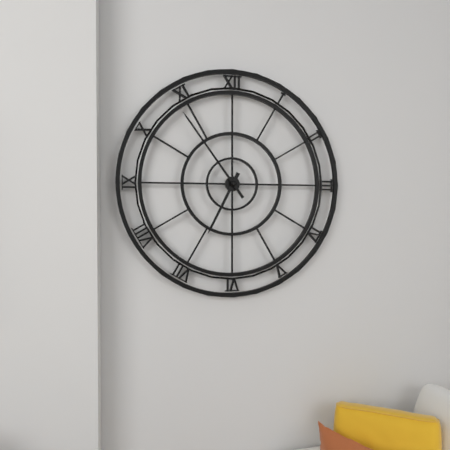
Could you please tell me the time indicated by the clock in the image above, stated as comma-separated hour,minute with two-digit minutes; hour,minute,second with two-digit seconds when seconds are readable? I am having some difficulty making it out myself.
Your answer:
6,54
